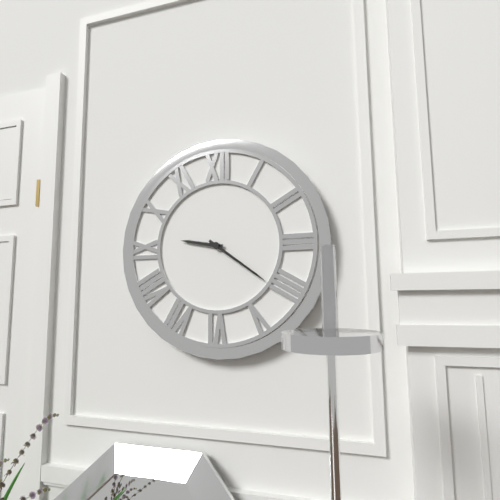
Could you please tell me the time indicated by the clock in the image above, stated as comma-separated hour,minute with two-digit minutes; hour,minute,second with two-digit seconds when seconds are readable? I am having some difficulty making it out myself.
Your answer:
9,21
